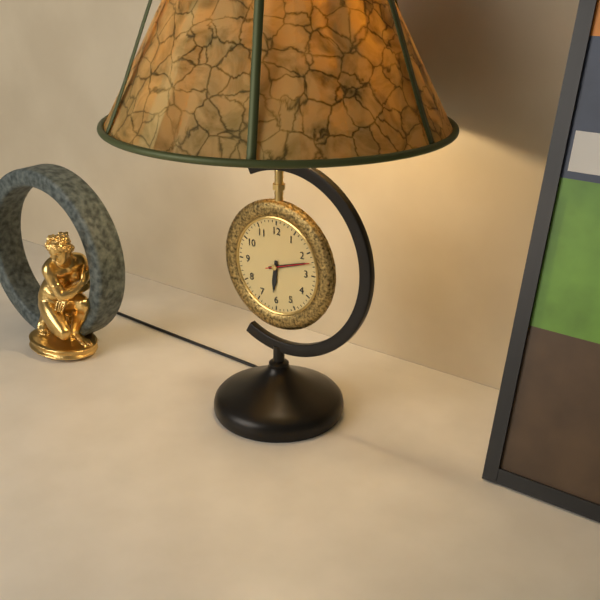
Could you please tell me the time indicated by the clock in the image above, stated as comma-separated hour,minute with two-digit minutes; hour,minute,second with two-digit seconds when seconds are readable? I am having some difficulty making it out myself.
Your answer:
6,12
